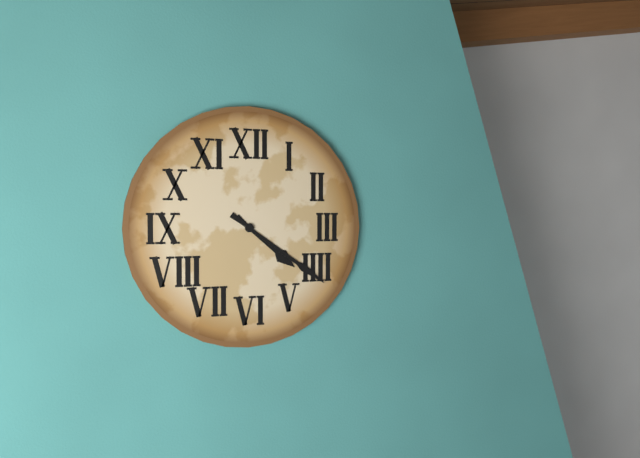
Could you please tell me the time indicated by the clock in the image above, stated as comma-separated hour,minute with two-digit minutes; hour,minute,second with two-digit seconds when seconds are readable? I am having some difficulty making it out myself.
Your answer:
4,21
